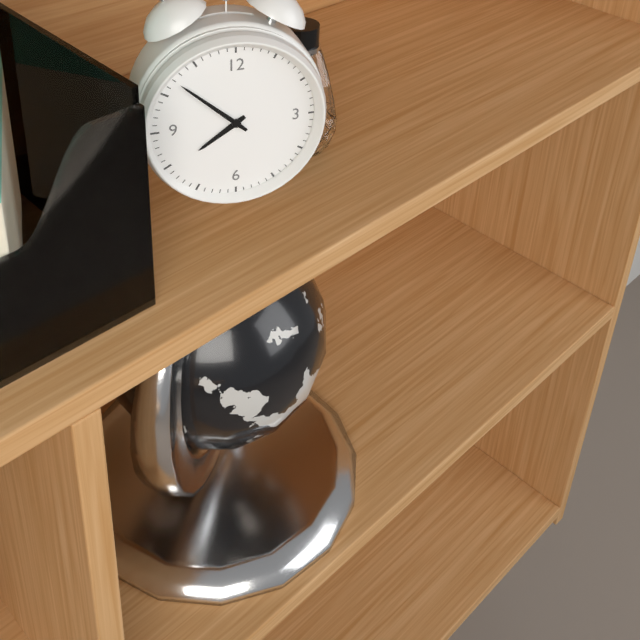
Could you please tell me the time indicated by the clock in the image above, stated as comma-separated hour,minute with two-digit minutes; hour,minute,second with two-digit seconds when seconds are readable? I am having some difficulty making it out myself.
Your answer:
7,52
